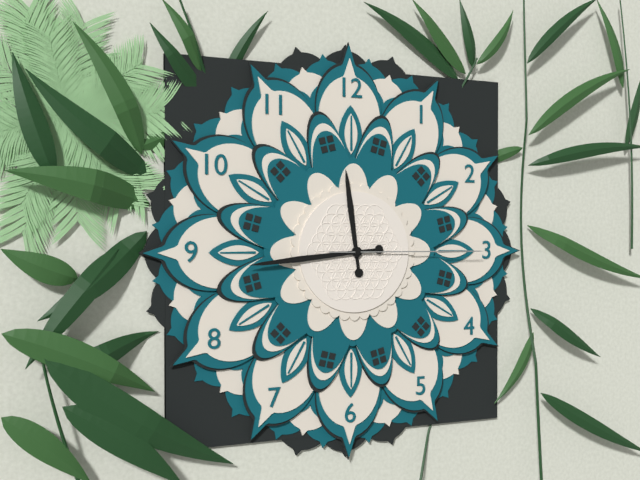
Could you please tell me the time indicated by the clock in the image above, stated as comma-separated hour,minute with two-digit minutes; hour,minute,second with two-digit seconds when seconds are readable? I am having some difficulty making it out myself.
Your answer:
11,44,15
